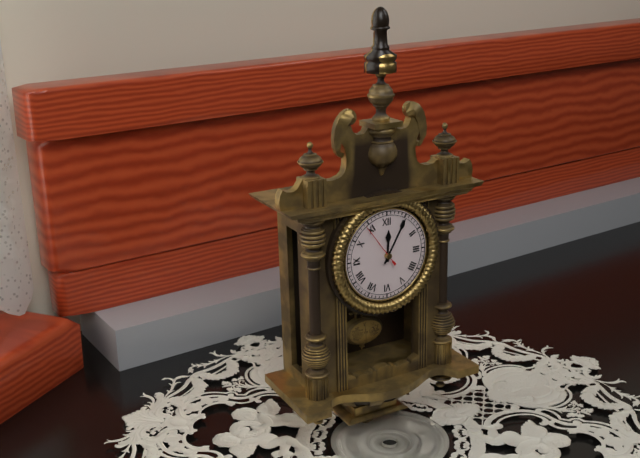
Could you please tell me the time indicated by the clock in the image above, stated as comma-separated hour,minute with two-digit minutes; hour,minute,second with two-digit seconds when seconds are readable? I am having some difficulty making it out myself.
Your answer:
12,05
